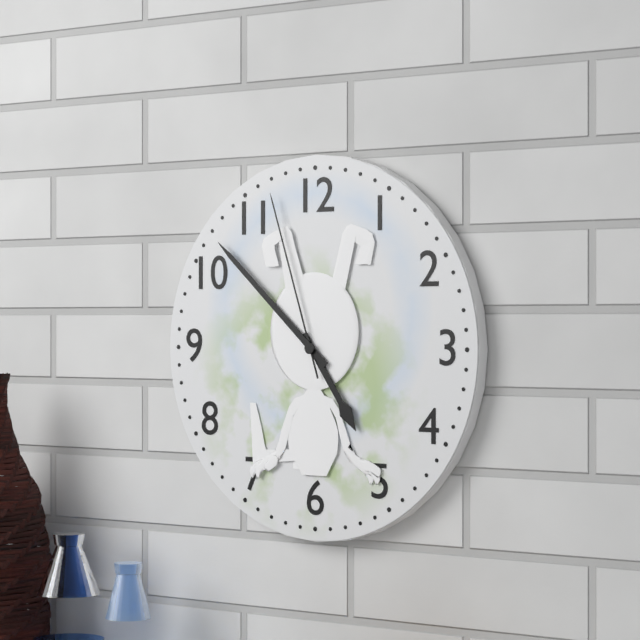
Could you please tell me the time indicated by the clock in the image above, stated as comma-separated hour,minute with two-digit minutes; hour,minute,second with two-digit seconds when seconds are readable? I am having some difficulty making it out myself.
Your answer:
4,52,57
